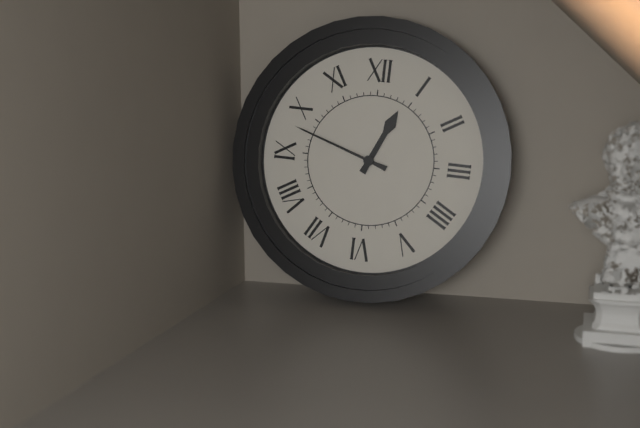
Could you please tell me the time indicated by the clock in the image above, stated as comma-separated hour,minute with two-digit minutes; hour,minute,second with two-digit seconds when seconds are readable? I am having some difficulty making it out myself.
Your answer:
12,48
